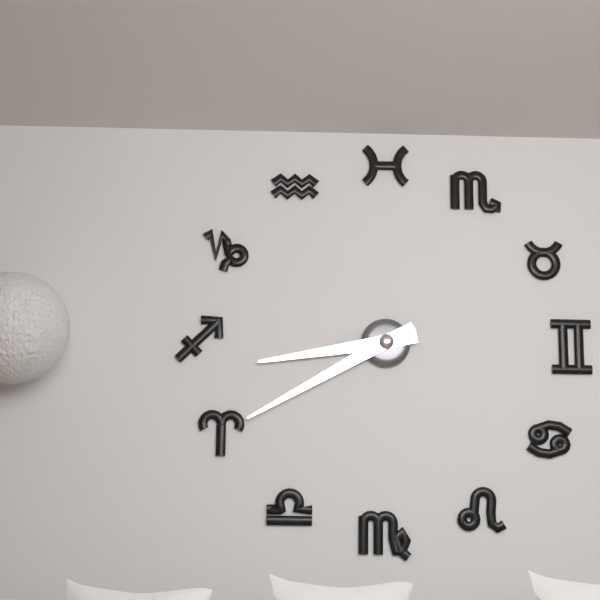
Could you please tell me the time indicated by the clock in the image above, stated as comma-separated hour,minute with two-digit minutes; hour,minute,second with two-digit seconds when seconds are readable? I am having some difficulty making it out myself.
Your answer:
8,40
